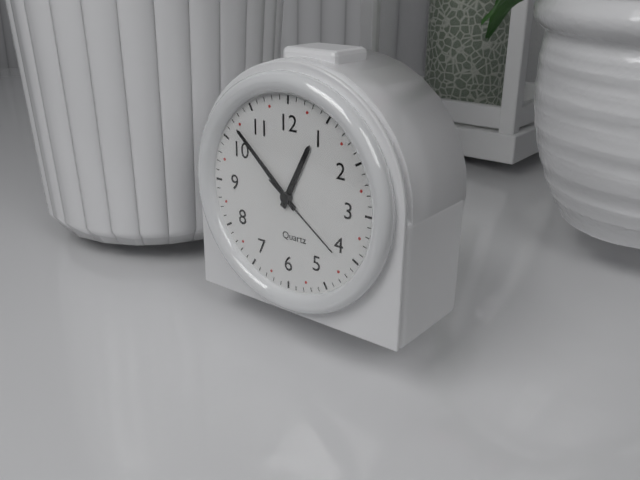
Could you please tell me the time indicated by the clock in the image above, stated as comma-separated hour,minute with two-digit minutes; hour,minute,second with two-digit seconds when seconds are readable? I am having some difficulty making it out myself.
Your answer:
12,52,21
